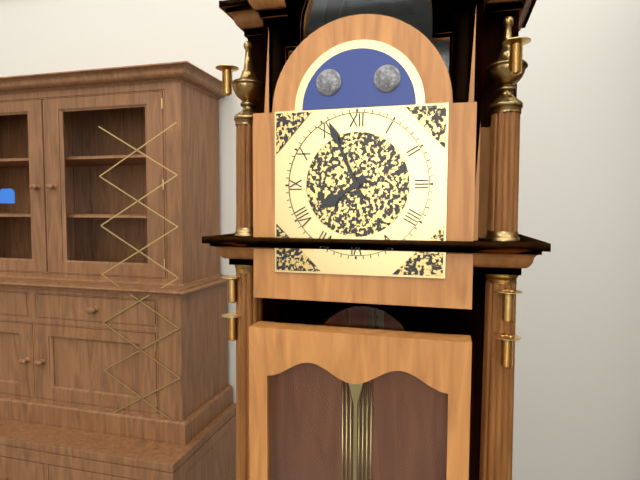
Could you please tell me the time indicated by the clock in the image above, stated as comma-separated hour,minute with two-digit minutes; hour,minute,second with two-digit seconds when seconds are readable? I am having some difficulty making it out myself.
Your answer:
7,56
